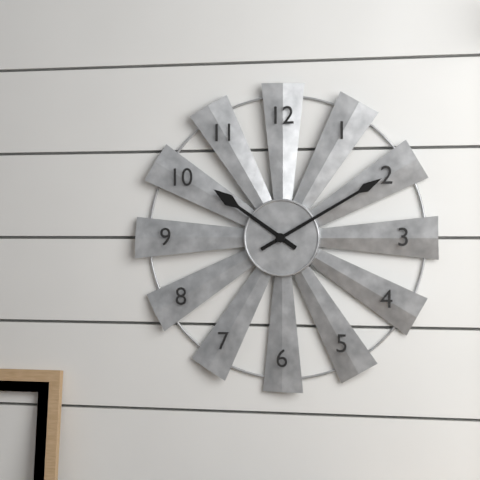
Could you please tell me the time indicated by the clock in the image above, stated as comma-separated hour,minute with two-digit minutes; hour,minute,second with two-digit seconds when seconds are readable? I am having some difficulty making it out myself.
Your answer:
10,10
